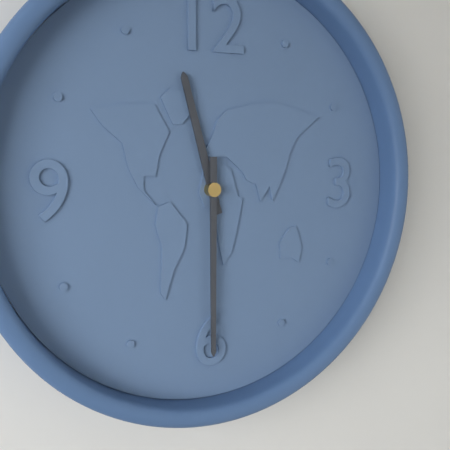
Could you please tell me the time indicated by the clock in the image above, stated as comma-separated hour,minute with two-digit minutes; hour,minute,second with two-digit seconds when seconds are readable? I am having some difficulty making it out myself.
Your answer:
11,30
